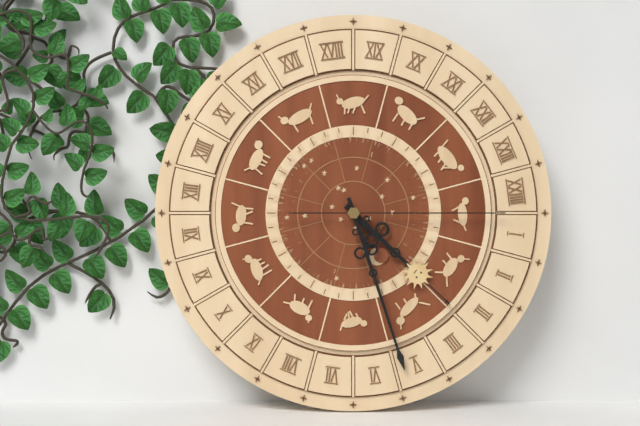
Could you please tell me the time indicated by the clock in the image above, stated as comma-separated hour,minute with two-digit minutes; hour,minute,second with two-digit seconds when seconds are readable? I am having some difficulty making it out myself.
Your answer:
4,27,15
